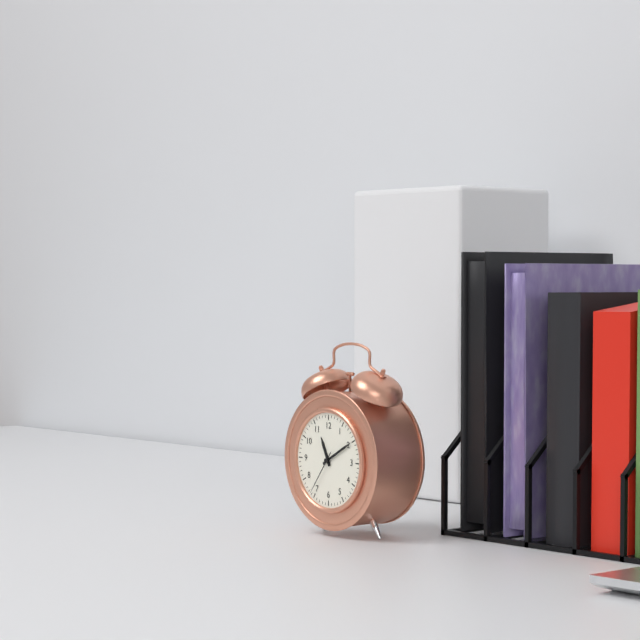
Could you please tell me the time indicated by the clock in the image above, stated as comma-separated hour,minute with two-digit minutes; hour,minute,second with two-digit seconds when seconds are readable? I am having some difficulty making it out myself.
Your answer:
11,10
